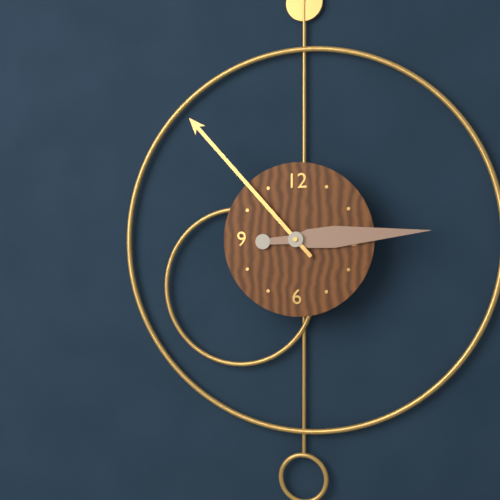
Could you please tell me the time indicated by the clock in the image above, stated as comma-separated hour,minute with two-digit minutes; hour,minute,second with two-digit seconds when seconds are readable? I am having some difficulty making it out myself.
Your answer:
2,53
